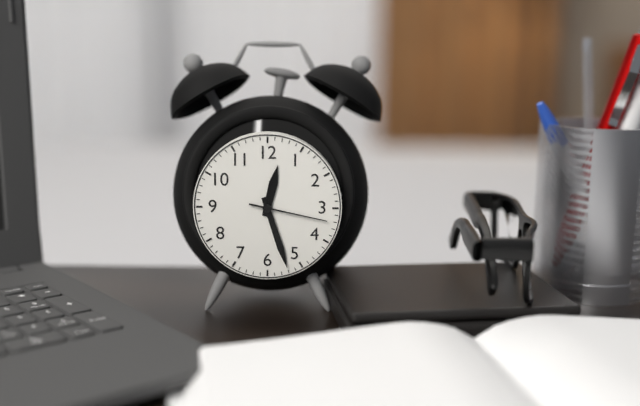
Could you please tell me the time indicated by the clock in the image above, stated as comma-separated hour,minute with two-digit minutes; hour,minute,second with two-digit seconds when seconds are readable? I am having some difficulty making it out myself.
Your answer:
12,27,17
